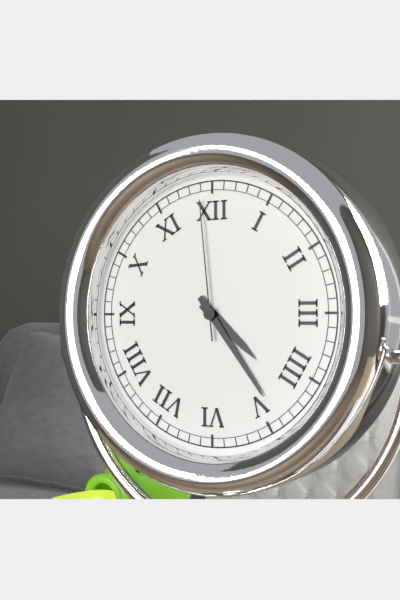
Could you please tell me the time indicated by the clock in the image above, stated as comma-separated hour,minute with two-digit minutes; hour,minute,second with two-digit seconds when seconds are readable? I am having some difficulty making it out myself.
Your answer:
4,24,59
